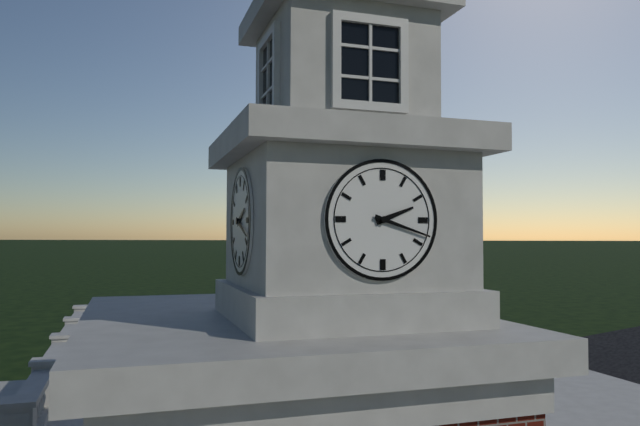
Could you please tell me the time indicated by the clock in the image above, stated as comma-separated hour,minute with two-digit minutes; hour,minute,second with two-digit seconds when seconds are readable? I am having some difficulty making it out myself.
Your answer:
2,18
